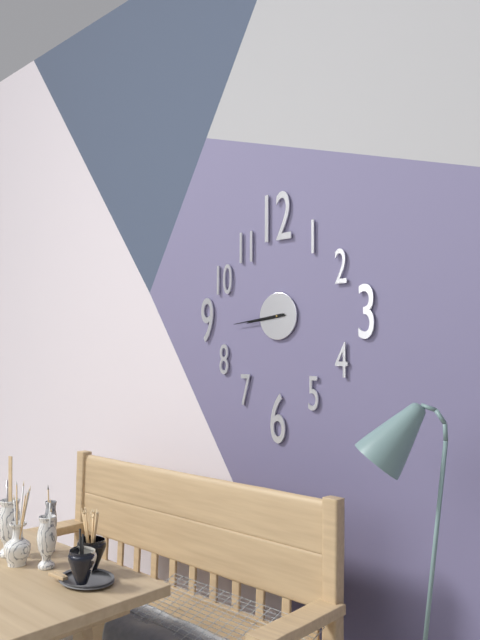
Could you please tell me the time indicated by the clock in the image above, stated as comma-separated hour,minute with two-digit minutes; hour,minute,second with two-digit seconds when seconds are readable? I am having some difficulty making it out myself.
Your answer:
8,44
